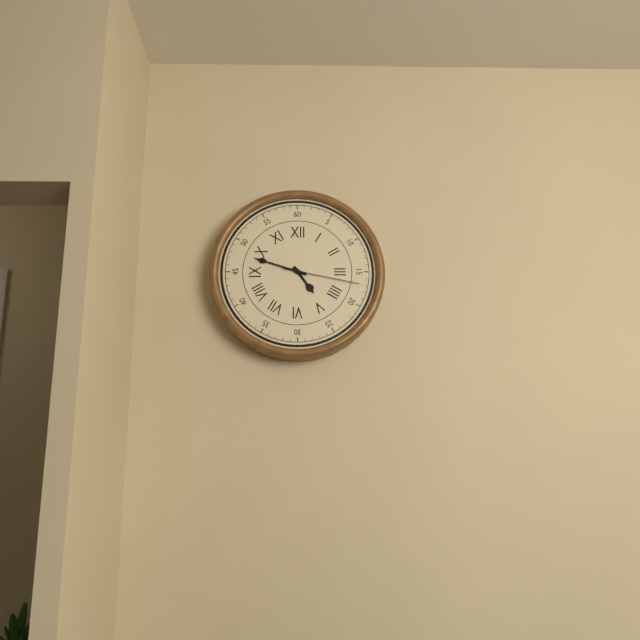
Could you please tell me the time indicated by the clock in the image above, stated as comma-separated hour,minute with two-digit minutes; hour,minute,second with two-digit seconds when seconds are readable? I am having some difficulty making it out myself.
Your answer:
4,48,17
